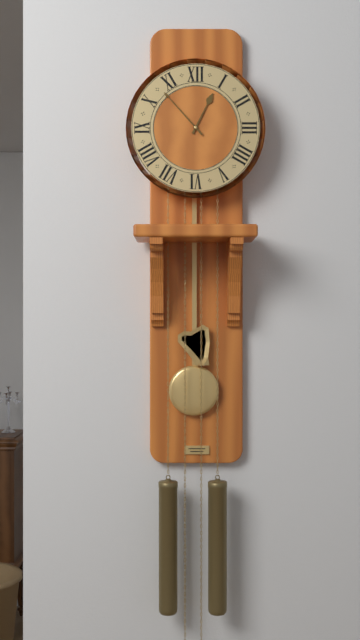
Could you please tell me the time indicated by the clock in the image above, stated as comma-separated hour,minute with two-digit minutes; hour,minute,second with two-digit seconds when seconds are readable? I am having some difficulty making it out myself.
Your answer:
12,53
